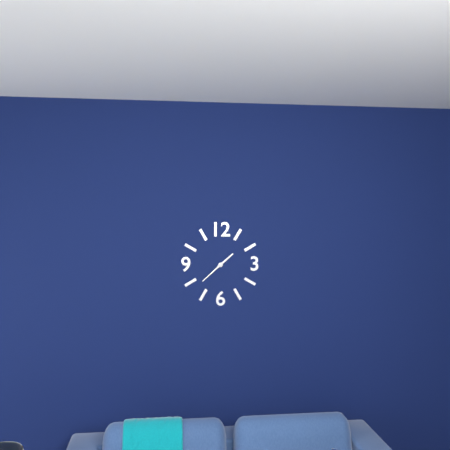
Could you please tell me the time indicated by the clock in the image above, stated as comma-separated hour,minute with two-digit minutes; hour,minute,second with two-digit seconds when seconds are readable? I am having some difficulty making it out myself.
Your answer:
1,38
